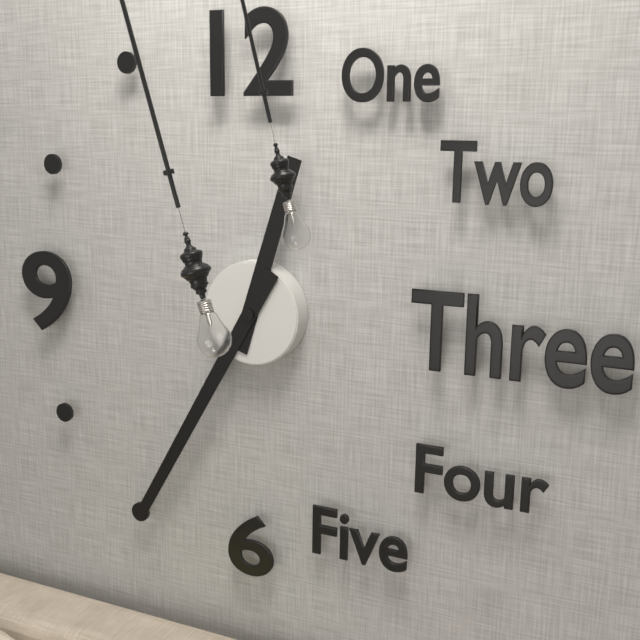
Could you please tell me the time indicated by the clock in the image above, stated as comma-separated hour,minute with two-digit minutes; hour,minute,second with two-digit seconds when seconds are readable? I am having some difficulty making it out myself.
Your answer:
12,35
